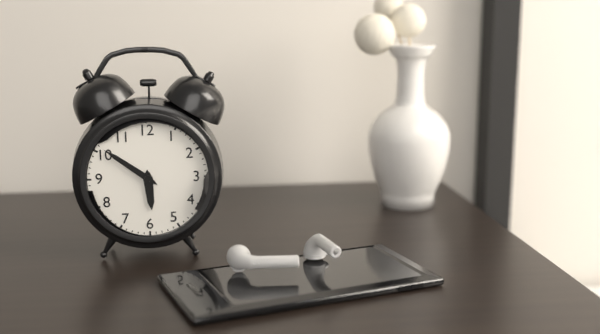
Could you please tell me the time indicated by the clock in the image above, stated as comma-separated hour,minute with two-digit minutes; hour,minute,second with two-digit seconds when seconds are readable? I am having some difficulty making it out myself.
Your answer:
5,51
